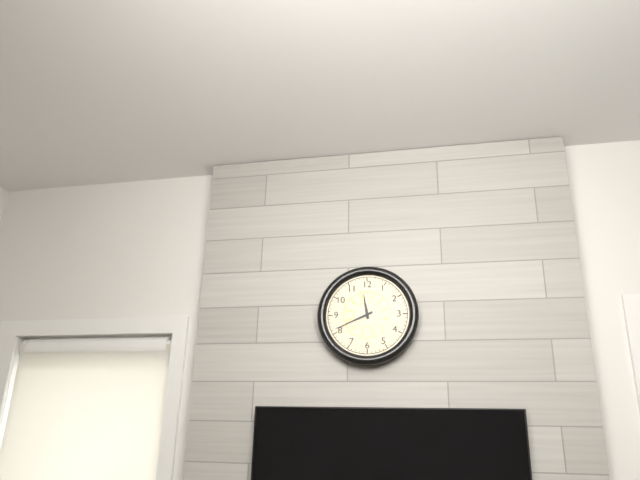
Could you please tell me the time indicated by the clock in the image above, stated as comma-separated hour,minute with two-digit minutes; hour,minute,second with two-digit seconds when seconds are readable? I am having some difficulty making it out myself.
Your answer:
11,41
